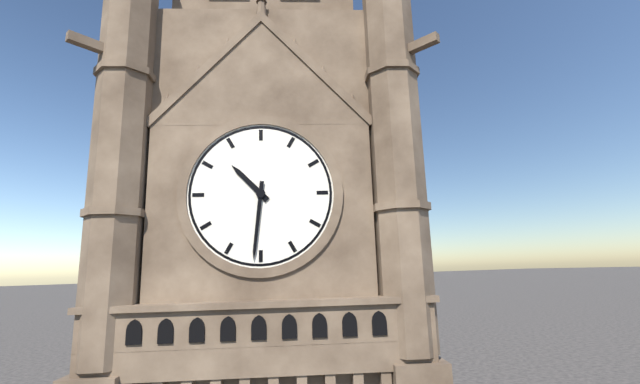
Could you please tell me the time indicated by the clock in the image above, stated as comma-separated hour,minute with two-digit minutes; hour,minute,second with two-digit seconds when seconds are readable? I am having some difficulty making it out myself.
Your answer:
10,31
